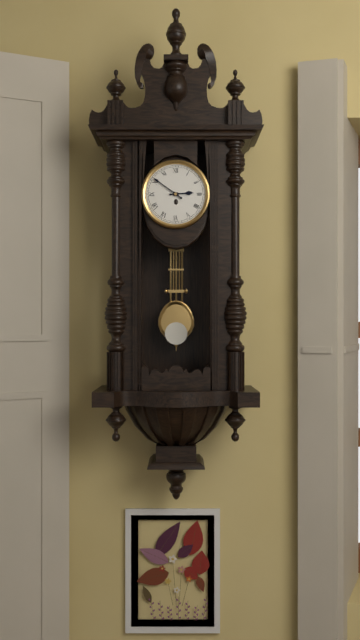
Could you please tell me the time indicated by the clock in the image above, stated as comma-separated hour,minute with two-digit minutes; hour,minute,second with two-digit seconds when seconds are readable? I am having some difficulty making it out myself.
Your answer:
2,51
